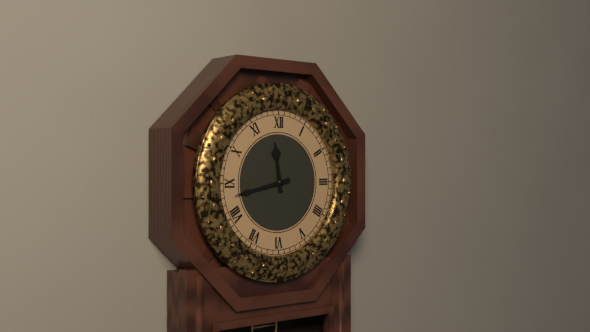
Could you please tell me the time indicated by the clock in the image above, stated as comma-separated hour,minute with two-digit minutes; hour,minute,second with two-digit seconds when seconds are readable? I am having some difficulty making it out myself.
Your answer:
11,43
